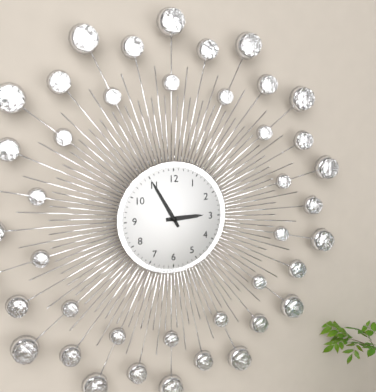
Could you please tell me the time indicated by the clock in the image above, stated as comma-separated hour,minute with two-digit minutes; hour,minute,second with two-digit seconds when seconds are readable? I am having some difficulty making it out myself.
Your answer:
2,55
